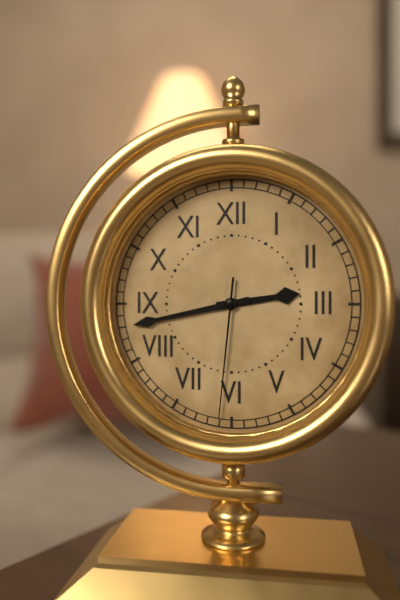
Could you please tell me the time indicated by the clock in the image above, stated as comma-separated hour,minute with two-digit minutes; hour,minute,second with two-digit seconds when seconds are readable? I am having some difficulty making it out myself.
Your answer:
2,43,31
